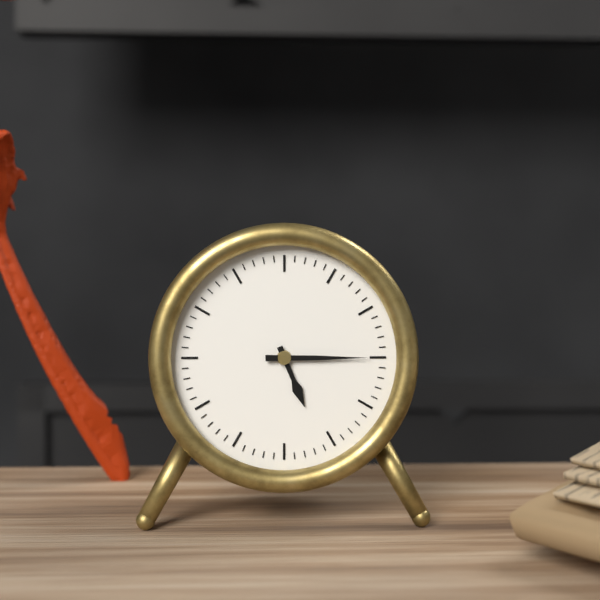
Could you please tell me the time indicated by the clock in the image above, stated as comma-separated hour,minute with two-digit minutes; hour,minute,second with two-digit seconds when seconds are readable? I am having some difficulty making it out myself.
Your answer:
5,15
